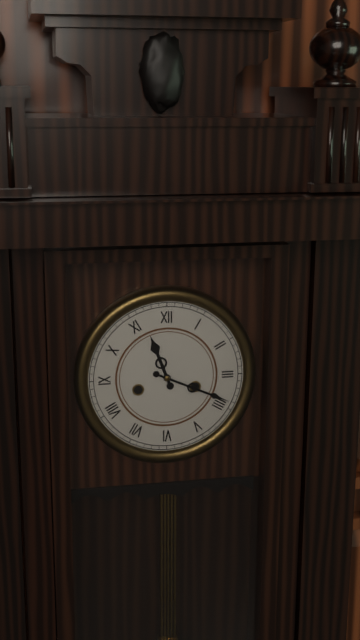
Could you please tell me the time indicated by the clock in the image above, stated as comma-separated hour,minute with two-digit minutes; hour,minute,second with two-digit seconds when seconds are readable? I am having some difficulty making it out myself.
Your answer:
11,19
